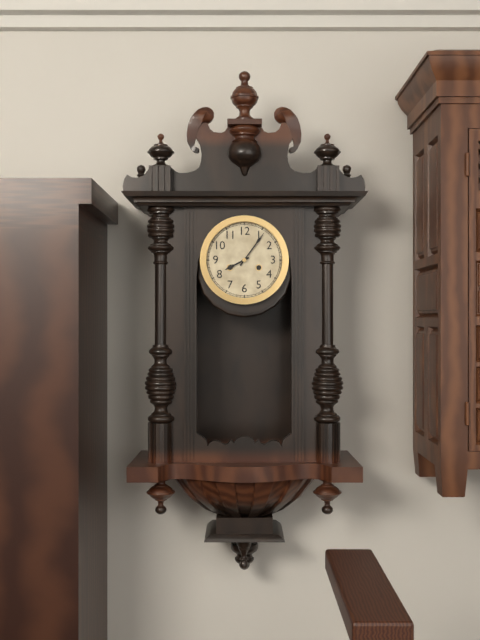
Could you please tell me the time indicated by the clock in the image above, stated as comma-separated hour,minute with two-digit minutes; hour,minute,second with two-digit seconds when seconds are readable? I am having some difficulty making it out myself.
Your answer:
8,06
